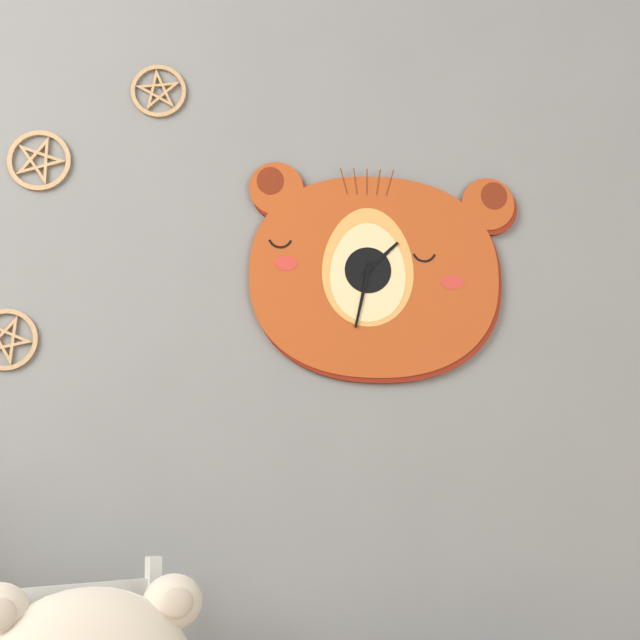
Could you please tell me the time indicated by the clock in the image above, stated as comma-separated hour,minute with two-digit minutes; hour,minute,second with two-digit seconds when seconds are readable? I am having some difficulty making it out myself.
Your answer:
1,32
